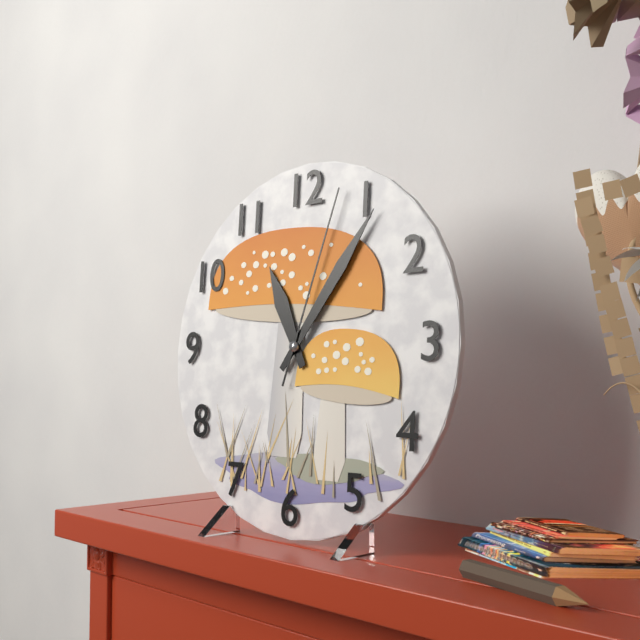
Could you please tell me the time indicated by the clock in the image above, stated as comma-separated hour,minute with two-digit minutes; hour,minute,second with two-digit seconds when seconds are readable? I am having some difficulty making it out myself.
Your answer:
11,06,03
